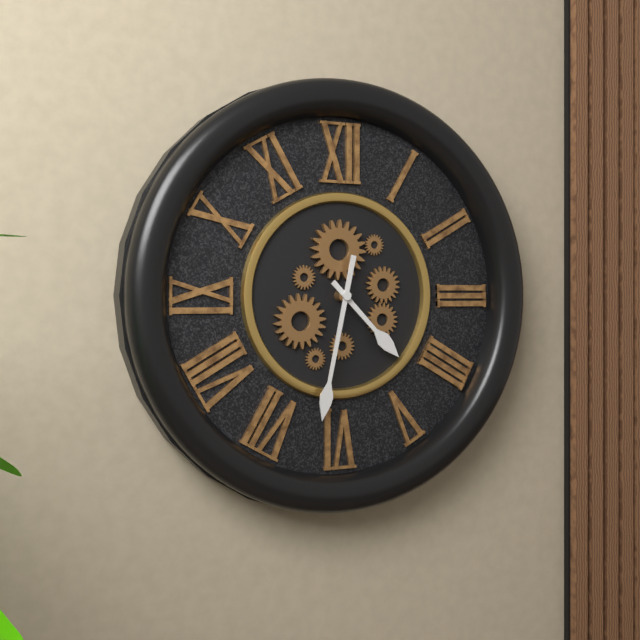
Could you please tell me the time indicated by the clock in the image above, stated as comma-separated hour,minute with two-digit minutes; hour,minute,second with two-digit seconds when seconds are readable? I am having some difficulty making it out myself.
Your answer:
4,32
